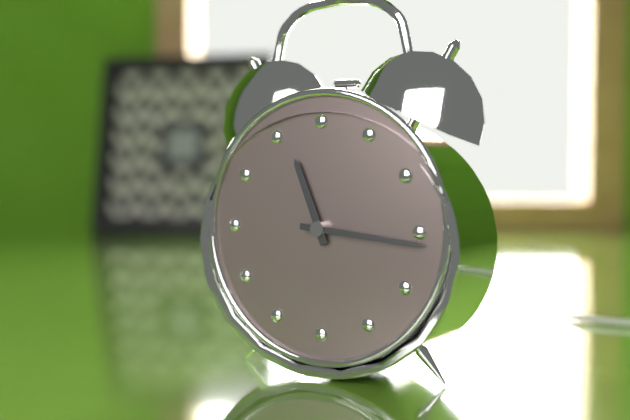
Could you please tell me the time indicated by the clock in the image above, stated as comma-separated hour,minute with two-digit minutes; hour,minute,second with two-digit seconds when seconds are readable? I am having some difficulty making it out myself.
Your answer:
11,16
